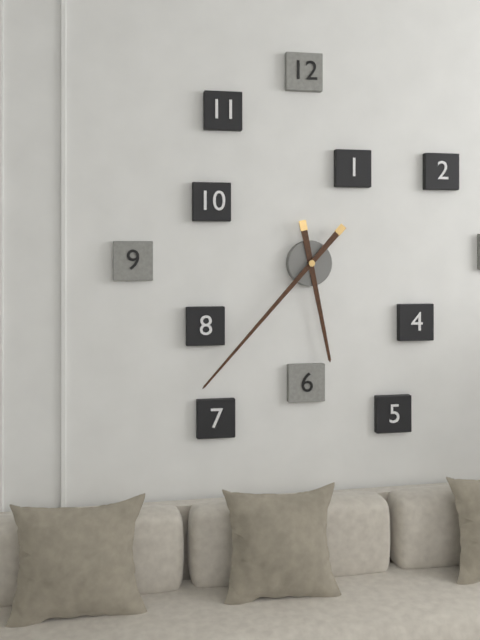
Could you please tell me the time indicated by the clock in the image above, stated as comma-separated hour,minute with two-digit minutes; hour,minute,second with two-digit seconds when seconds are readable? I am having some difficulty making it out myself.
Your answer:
5,37
